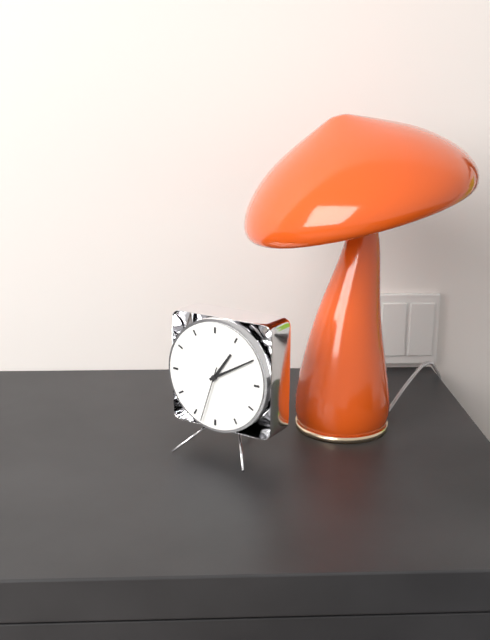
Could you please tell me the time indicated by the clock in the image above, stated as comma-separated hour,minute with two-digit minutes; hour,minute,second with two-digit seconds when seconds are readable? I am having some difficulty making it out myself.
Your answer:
1,10,33
